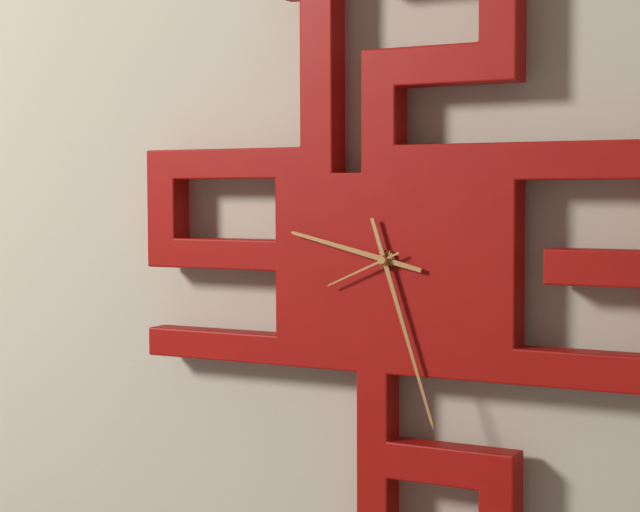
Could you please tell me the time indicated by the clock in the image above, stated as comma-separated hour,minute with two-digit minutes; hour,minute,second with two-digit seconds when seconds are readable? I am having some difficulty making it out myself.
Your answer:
9,27,41
